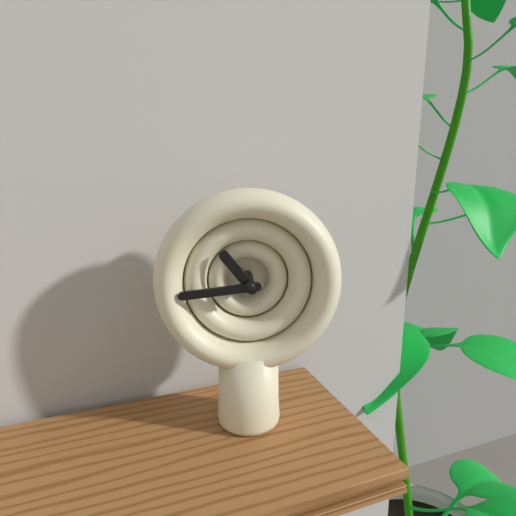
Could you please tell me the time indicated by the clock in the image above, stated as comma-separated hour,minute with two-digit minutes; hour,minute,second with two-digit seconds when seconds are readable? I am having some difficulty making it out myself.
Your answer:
10,44
